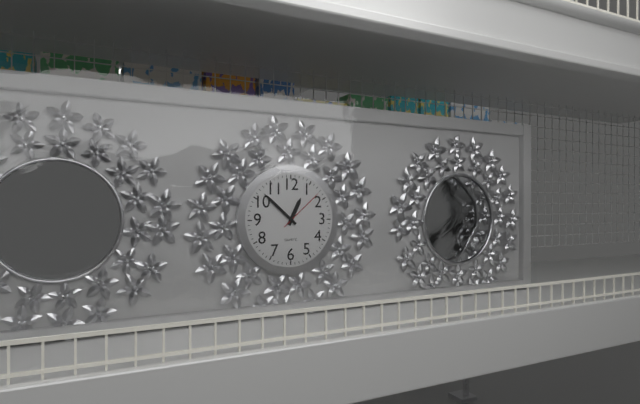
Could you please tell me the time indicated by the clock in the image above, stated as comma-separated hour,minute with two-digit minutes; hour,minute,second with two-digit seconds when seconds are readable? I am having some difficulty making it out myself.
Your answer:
12,52
